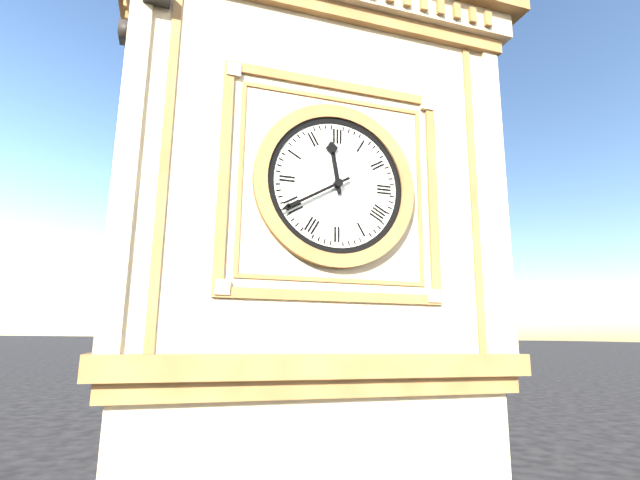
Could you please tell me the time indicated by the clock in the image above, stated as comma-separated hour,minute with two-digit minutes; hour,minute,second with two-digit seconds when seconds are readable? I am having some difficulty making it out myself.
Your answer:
11,40
